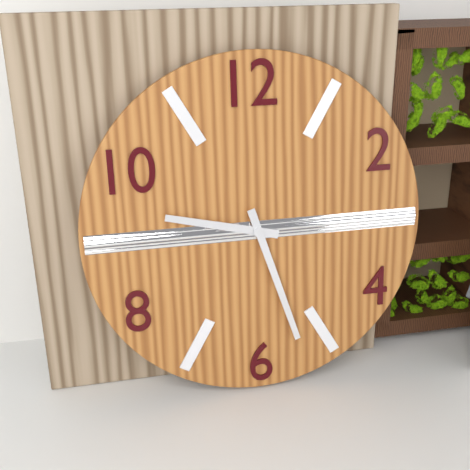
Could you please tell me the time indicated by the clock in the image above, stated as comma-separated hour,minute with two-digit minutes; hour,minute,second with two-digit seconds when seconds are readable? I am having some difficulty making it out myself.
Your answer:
9,27
